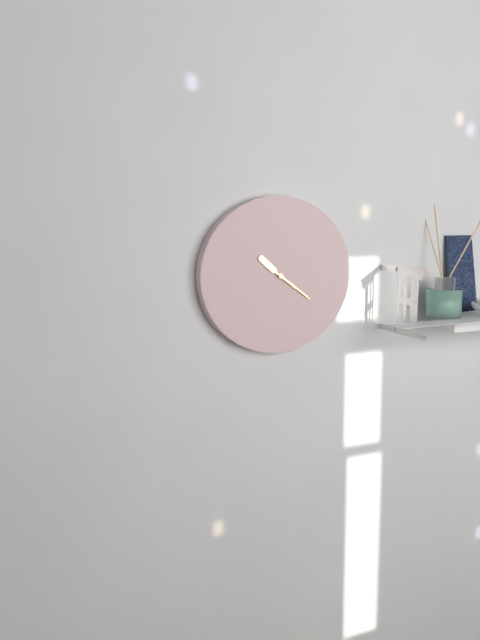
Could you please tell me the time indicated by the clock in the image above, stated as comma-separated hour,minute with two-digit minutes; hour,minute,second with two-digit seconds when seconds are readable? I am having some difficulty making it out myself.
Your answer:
10,21
